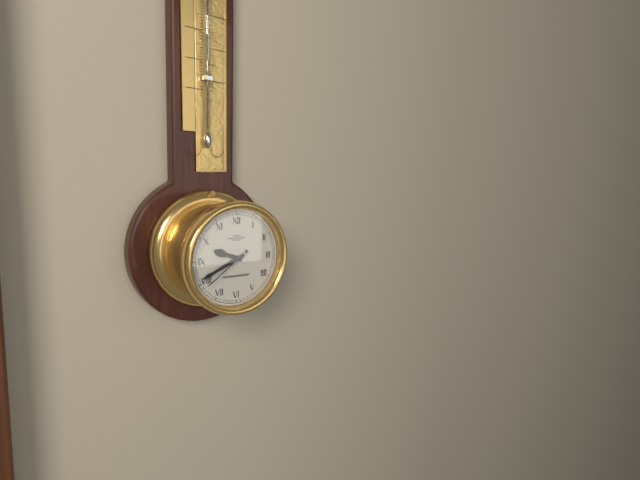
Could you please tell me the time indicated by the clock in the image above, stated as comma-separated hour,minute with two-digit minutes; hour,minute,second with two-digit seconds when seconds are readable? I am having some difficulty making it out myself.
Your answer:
9,41,39
